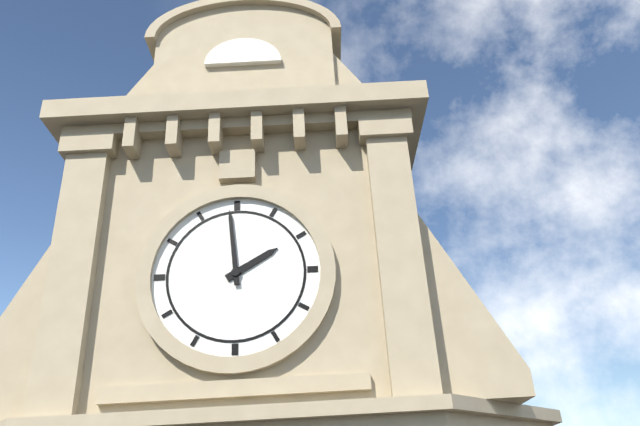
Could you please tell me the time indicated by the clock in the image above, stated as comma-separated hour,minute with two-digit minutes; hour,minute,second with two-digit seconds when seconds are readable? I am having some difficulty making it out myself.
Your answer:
1,59
